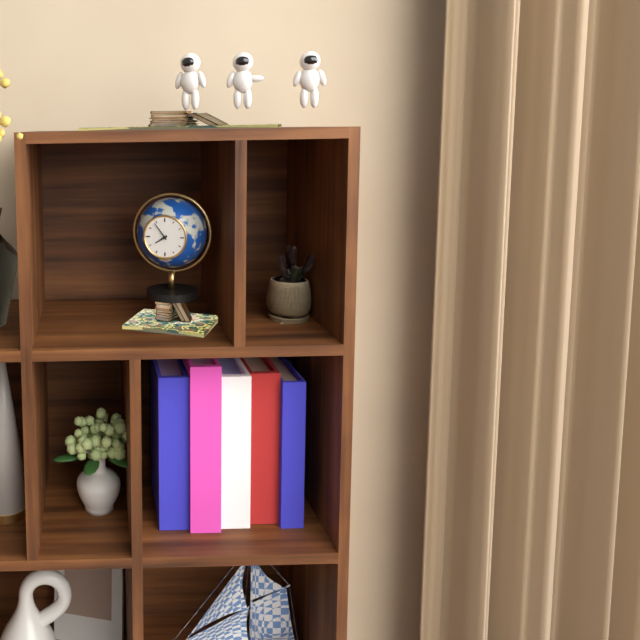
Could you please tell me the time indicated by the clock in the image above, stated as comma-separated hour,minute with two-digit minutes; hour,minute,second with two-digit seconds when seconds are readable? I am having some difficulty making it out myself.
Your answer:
7,54
